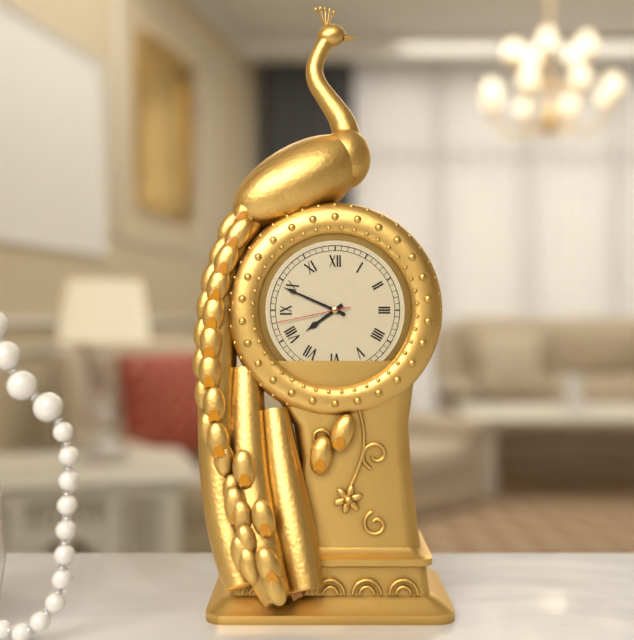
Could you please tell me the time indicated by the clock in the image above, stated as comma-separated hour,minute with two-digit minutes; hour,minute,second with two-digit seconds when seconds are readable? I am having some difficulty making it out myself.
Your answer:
7,49,43
